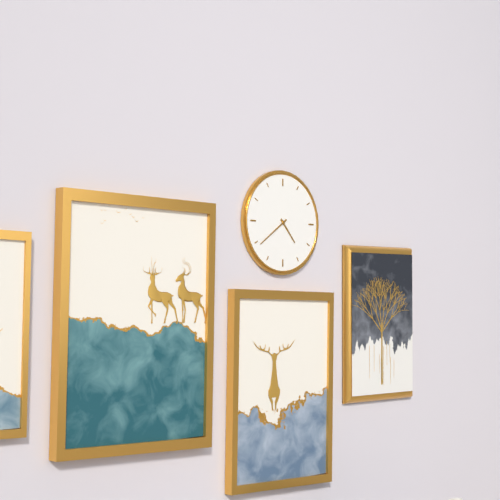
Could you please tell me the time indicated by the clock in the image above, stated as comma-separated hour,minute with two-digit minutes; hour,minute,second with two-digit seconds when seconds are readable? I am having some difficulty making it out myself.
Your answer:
4,39
